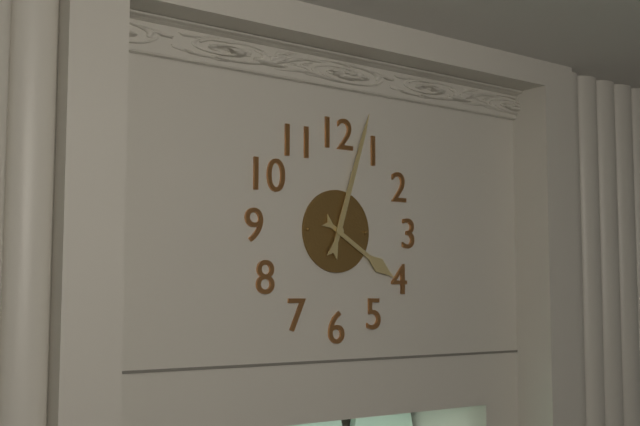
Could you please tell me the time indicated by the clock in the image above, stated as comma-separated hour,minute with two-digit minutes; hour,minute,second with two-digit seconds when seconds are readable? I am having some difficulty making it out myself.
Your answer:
4,03
